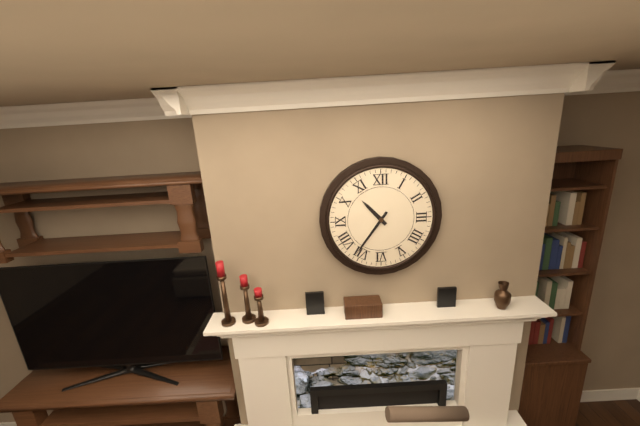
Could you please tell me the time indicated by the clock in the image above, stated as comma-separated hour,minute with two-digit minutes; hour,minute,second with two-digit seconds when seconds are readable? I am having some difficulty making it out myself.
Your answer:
10,36
